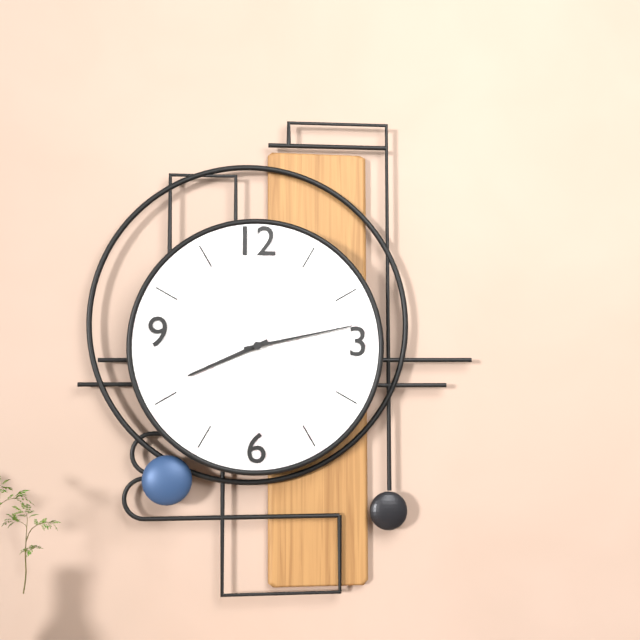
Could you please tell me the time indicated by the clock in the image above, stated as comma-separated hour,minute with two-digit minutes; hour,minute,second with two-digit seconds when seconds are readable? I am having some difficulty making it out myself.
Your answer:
8,13,21
